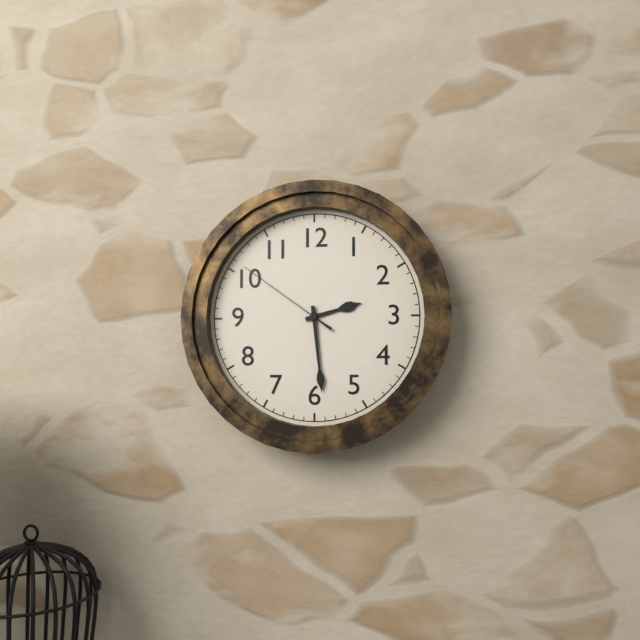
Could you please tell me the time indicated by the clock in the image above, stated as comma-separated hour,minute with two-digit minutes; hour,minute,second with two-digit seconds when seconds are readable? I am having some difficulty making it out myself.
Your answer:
2,29,51
